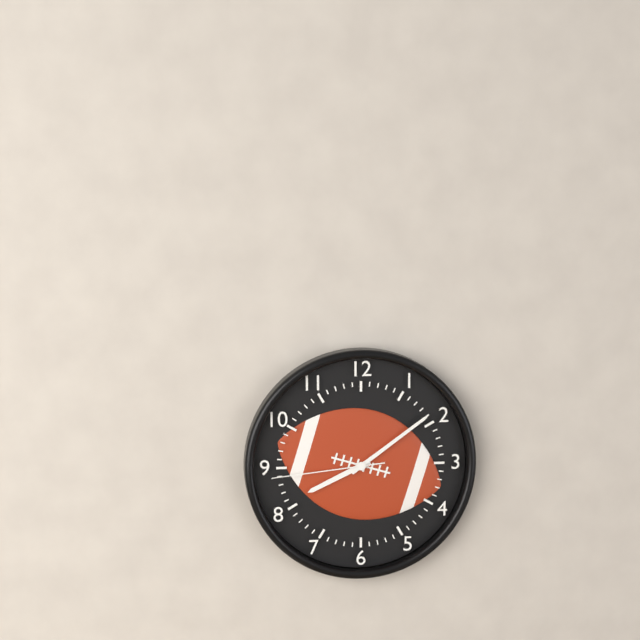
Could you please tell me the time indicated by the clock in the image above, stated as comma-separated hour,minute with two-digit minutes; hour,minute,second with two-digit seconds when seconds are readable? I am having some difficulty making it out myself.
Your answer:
8,09,44
